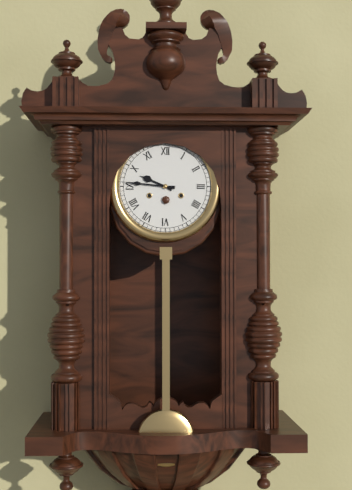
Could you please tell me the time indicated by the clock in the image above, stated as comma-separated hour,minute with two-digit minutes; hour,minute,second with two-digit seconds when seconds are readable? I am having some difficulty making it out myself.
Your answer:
9,46
